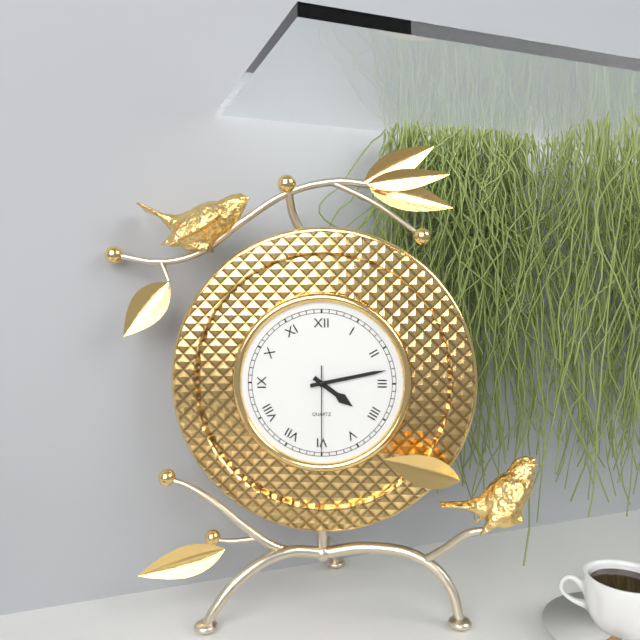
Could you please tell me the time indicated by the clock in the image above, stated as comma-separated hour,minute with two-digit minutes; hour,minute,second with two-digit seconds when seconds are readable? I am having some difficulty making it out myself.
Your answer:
4,13,30
